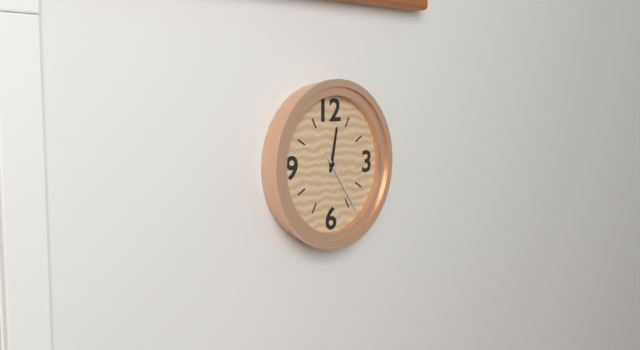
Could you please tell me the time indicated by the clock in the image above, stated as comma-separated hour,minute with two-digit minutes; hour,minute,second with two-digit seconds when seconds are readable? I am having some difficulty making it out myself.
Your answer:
12,24
